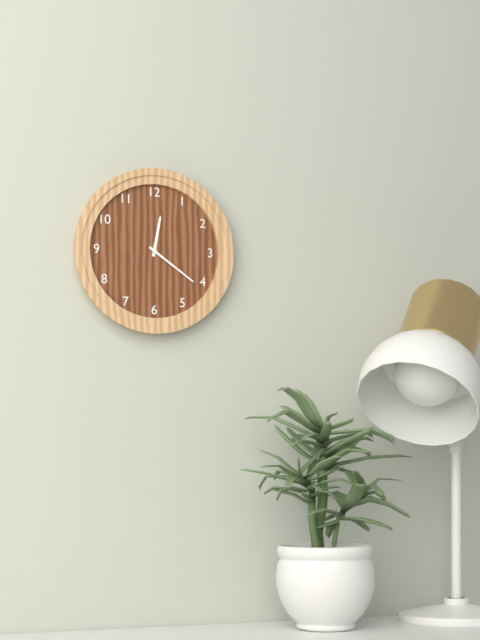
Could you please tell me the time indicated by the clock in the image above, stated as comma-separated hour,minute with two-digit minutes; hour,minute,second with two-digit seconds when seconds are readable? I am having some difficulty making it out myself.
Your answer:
12,21
